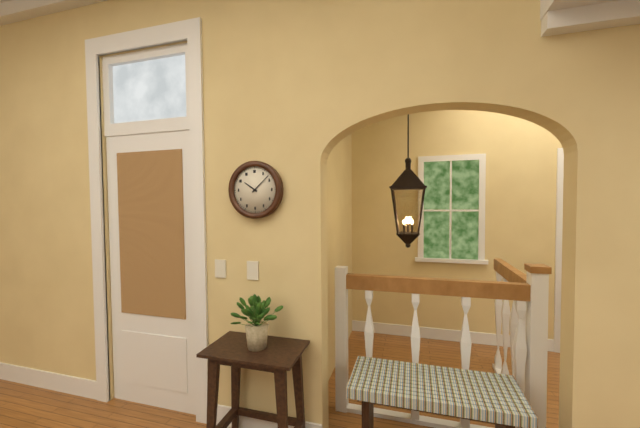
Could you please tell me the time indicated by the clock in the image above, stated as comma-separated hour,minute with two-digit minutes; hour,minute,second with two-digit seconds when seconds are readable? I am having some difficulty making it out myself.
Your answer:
10,08
